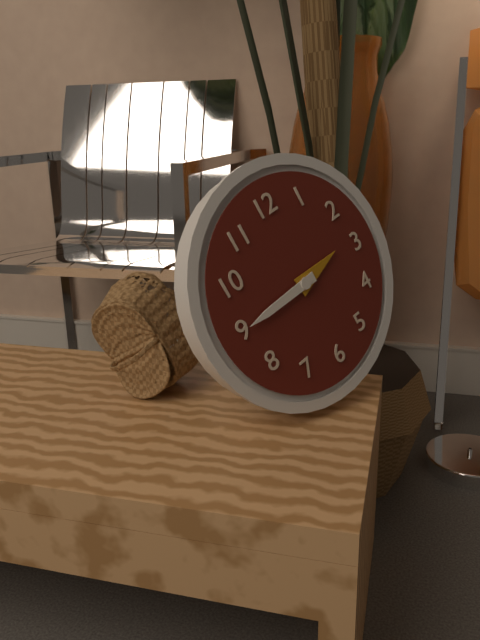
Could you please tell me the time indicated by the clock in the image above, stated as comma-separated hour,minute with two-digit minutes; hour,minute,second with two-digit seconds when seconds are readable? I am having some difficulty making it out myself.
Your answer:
2,45
